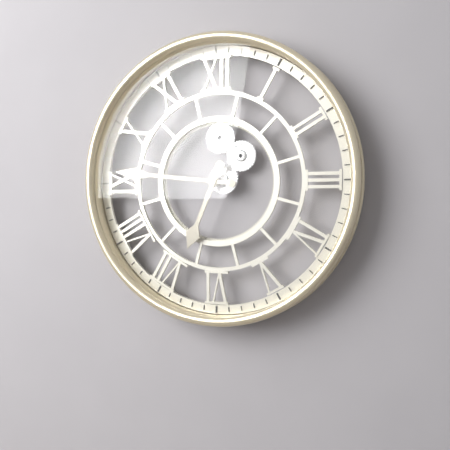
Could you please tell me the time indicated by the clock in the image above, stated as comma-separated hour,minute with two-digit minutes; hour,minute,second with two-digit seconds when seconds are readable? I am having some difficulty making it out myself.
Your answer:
6,46
